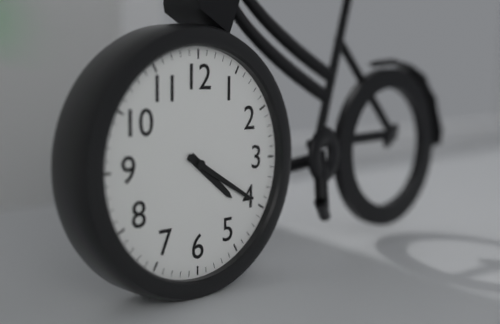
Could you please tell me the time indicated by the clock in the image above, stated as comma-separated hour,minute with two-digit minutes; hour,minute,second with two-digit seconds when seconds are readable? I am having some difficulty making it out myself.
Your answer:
4,20
